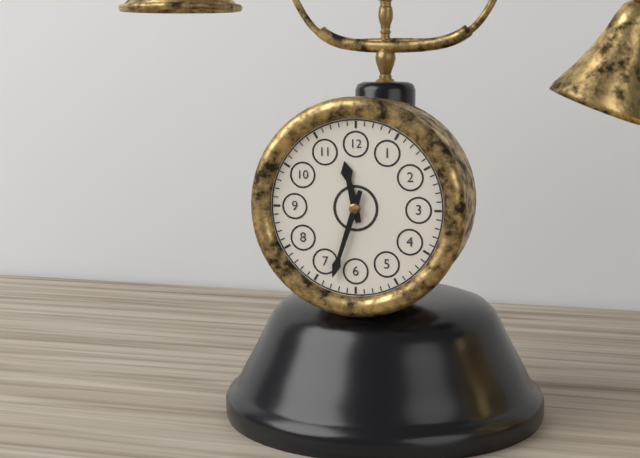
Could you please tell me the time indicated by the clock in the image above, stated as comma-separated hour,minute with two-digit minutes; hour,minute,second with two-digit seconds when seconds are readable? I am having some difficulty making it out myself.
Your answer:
11,33
